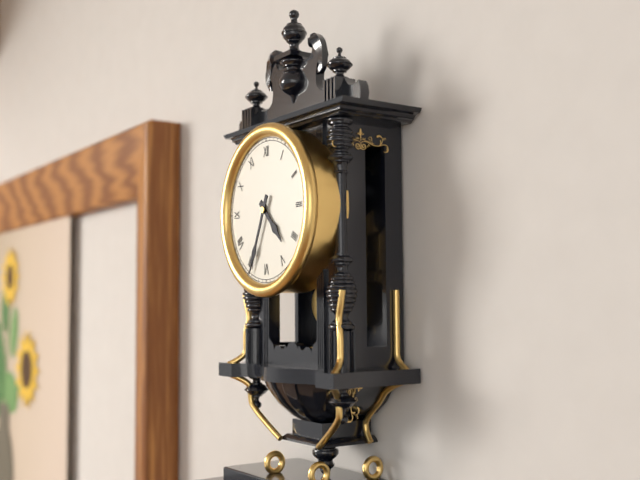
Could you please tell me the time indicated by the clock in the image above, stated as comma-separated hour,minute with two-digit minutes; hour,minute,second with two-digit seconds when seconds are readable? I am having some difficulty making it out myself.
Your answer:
4,34
